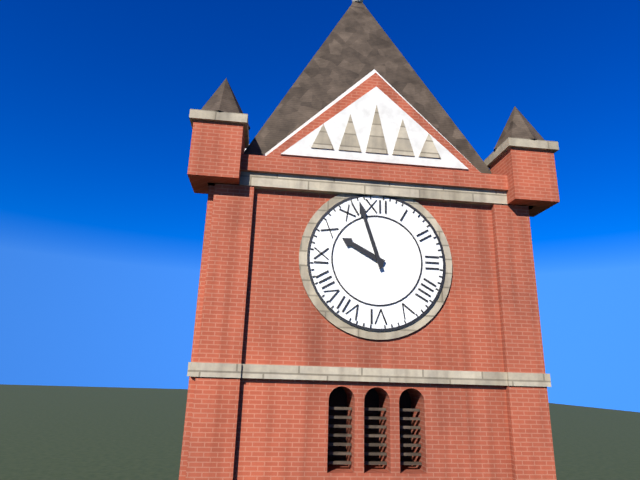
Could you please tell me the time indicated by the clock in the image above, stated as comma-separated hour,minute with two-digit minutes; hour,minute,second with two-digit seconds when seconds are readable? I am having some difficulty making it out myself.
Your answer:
9,57
